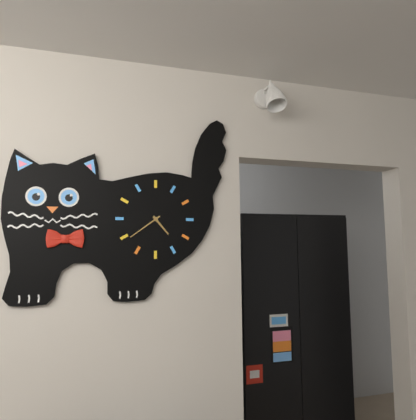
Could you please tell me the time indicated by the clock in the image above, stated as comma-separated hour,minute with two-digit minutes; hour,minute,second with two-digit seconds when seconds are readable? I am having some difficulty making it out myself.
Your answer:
4,39
